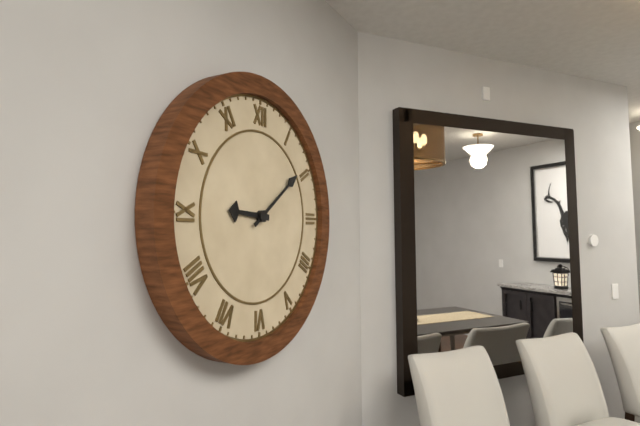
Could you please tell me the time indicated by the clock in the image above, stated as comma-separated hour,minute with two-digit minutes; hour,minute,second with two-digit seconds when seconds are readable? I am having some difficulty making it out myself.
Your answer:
9,09
